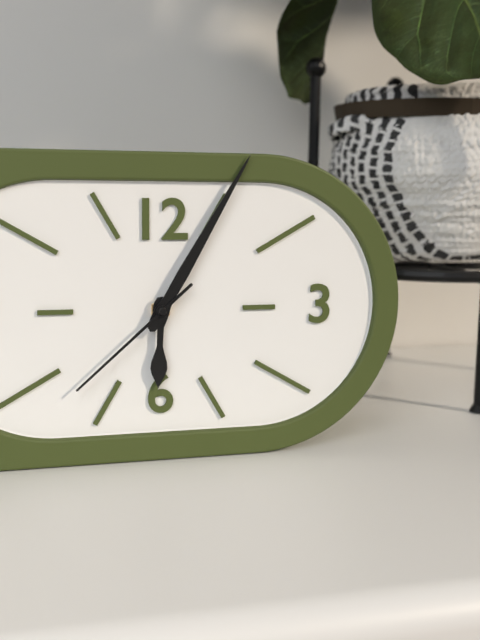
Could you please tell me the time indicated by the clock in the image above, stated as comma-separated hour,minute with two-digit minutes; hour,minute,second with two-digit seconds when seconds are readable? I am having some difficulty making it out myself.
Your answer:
6,05,38
